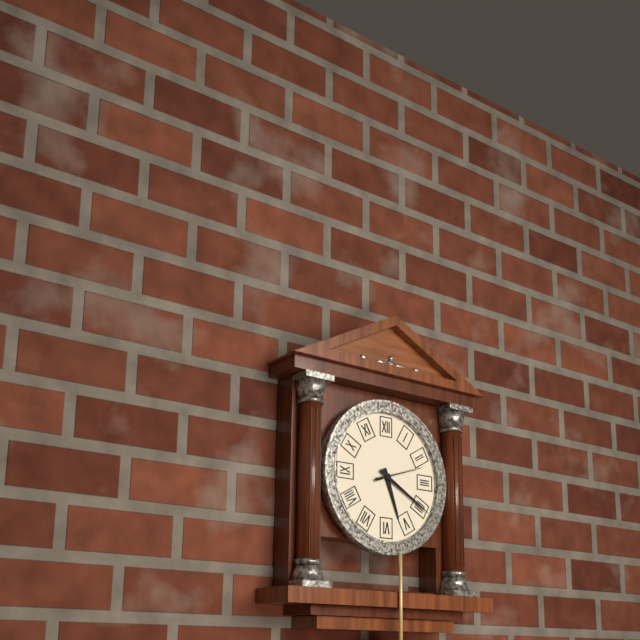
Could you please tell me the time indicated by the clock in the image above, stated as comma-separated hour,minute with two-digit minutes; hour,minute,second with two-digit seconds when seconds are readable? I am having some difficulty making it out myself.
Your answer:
5,20
